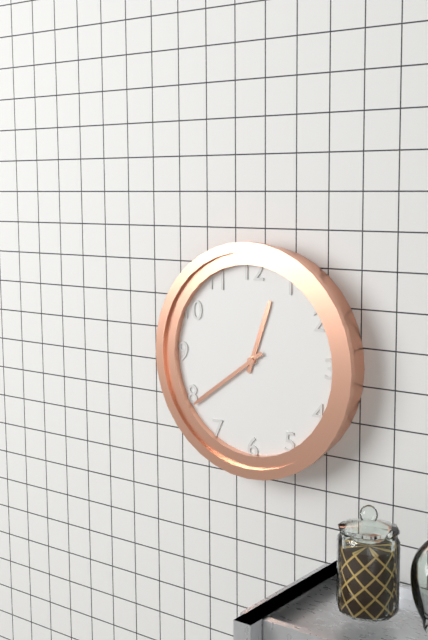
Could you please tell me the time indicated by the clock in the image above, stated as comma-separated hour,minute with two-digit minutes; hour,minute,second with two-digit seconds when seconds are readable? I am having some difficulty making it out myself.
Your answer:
12,39
